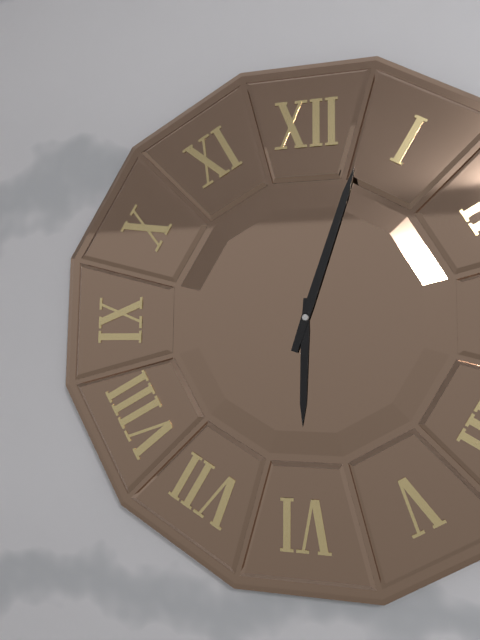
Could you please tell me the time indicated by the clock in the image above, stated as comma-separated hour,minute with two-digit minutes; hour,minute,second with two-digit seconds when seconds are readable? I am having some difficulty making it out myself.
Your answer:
6,03
